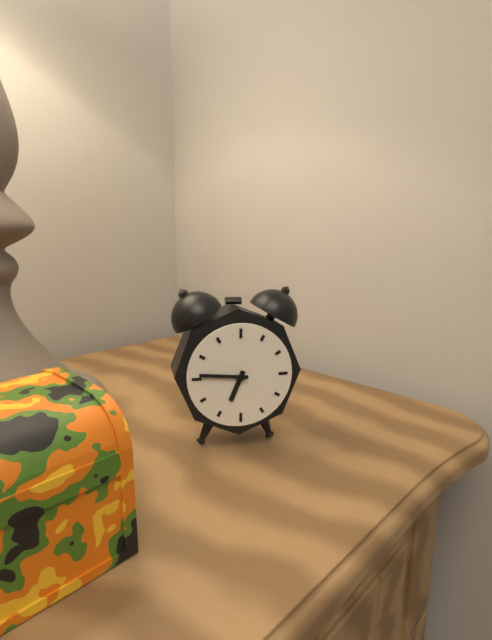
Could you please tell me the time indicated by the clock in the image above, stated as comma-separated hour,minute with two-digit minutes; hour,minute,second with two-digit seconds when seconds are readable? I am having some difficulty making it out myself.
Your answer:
6,46
